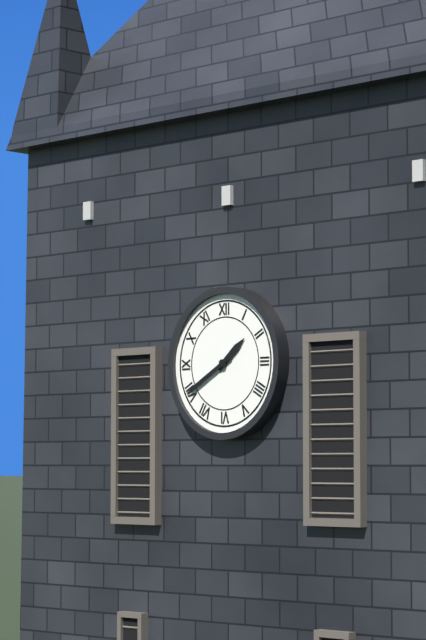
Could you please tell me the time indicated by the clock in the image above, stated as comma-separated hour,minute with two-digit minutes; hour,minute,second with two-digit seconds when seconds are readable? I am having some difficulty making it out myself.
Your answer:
1,40
